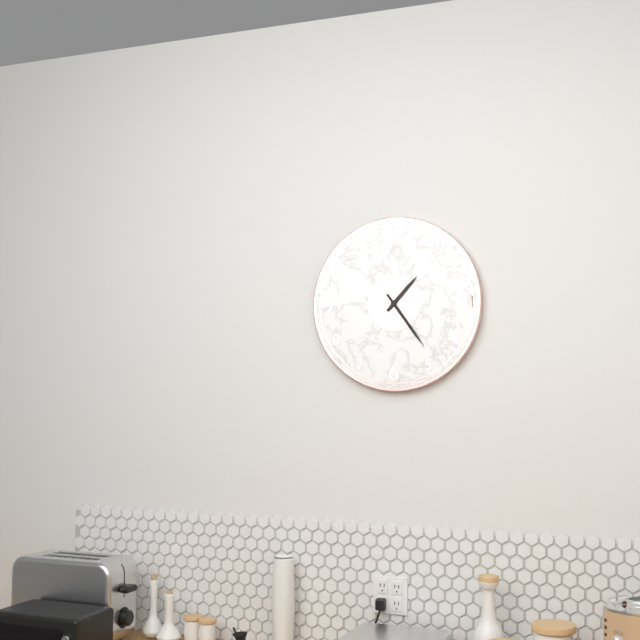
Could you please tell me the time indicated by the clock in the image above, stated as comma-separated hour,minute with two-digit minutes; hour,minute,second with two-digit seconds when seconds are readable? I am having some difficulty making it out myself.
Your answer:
1,24
